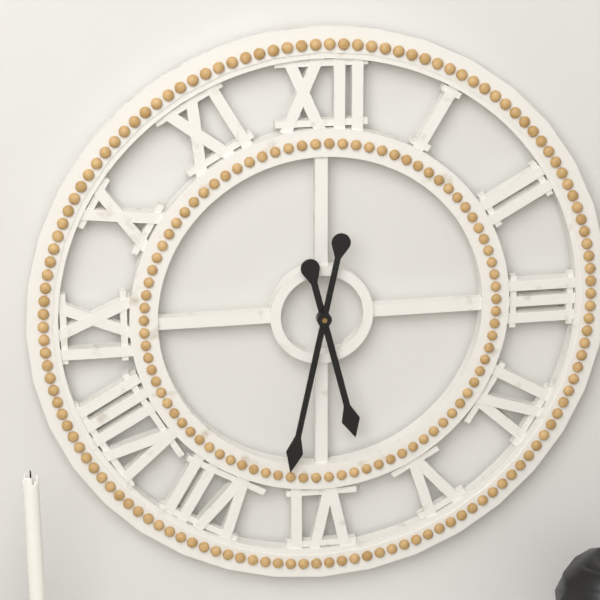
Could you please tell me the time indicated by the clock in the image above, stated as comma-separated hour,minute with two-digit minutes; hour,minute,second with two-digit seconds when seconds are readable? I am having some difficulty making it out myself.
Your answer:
5,32
